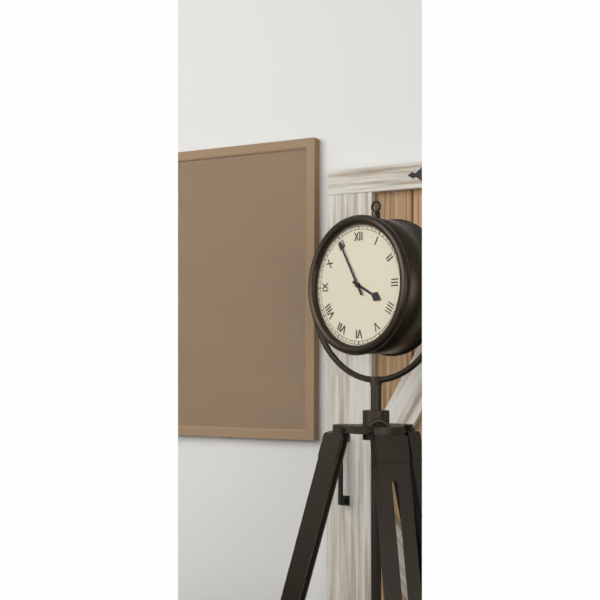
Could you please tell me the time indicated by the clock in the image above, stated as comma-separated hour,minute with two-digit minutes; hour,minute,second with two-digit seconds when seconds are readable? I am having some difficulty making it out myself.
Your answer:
3,55
